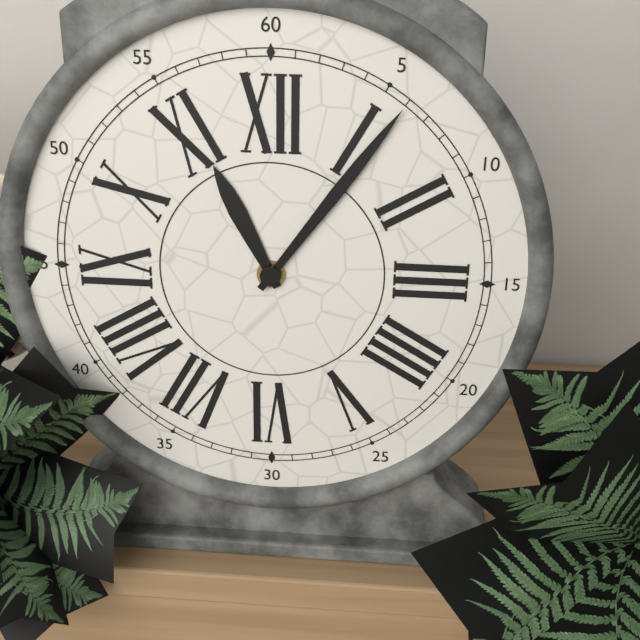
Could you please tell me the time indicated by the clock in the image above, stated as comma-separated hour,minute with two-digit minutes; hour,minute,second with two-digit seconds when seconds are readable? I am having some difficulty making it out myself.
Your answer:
11,06
